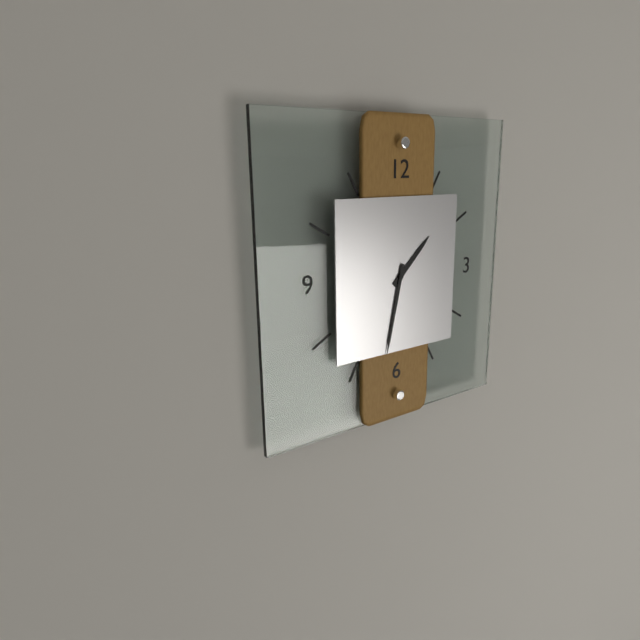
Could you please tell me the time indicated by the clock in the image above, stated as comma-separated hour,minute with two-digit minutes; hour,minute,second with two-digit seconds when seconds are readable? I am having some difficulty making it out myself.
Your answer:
1,32
